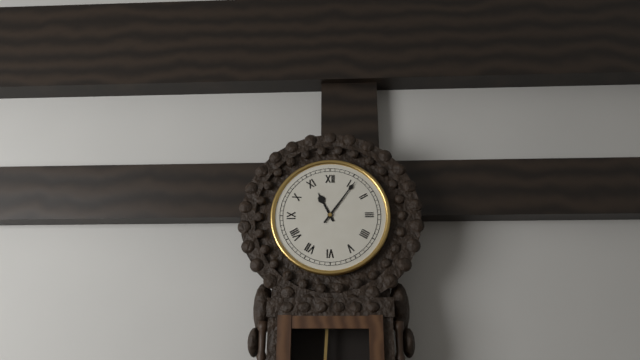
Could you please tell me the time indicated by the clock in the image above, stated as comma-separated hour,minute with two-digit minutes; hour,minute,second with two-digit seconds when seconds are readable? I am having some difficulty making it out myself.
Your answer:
11,06
